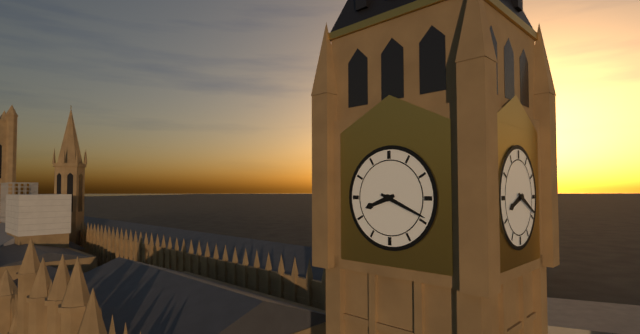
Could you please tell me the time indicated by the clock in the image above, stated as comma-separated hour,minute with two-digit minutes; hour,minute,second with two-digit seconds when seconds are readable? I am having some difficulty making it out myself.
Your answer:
8,19
